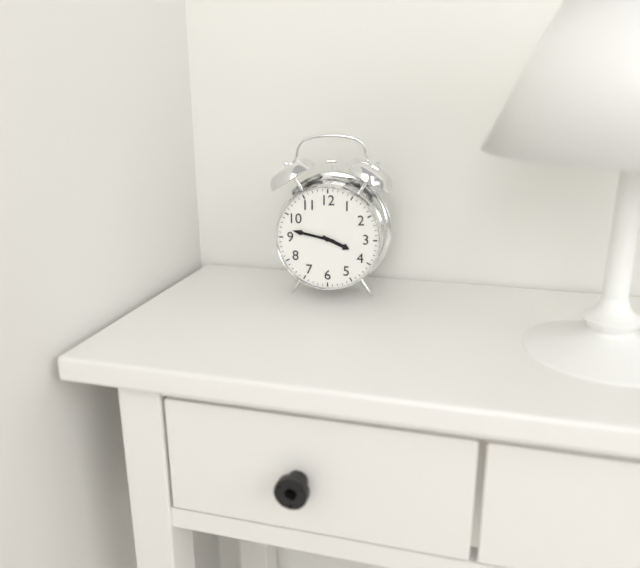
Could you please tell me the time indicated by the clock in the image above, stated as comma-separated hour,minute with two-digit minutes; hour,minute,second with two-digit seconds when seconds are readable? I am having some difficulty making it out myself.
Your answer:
3,47
